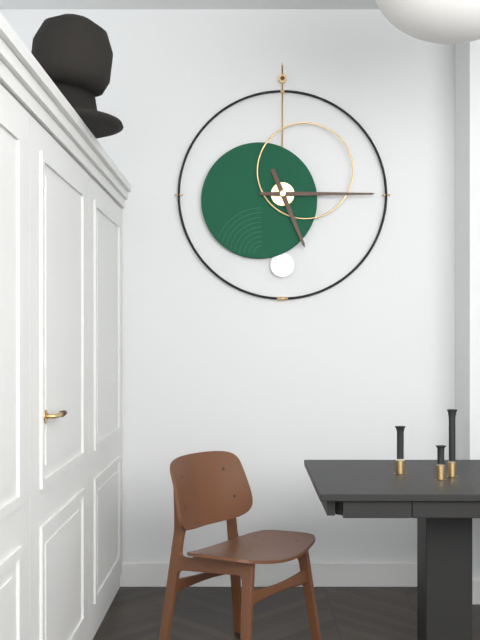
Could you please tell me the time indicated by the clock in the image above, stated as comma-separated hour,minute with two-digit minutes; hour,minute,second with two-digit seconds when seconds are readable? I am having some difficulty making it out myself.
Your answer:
5,15
